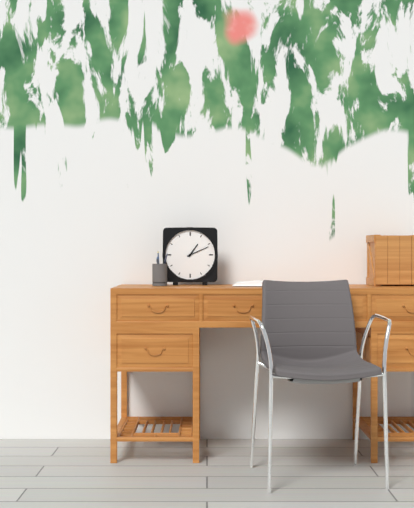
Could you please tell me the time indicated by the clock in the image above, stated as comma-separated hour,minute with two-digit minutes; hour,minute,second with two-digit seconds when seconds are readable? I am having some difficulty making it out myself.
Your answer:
1,11
